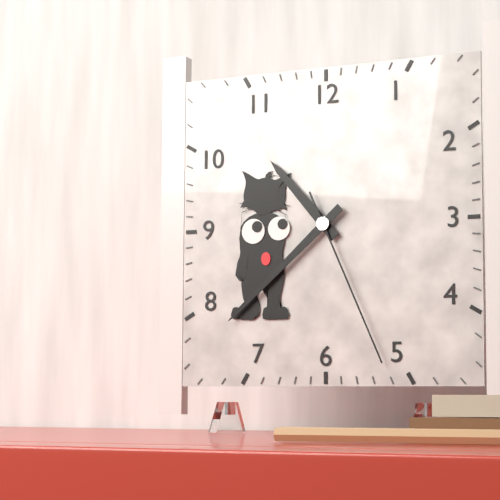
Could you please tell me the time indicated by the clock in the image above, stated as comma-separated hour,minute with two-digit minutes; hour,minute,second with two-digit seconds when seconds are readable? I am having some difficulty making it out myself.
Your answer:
10,38,26
